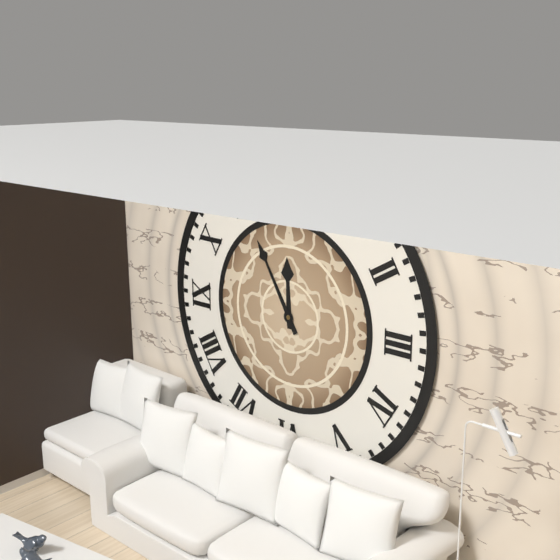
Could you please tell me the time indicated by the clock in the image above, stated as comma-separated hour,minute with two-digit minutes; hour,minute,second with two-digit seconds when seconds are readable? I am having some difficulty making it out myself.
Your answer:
11,55
